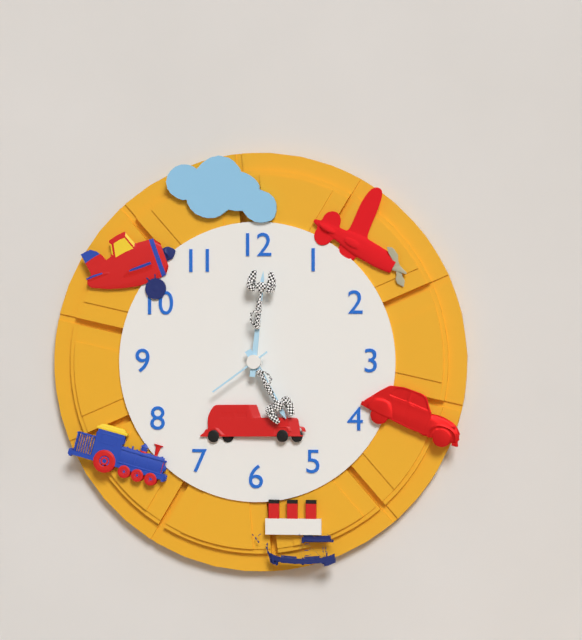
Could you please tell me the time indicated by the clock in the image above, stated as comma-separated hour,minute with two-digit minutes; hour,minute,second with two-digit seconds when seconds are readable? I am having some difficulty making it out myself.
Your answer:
5,01,39
